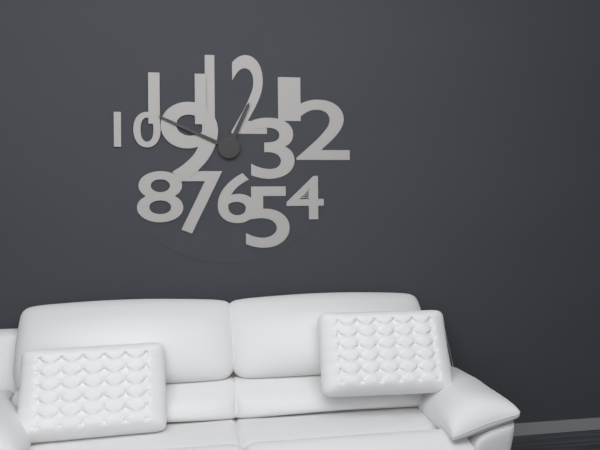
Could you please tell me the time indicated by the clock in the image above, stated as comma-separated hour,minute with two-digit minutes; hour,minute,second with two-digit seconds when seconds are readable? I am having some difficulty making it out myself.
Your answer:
12,49
